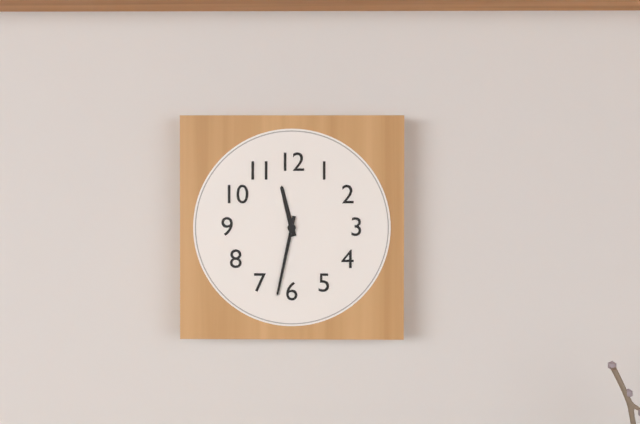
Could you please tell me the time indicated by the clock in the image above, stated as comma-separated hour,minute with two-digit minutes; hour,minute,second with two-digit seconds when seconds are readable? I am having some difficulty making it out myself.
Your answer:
11,32
